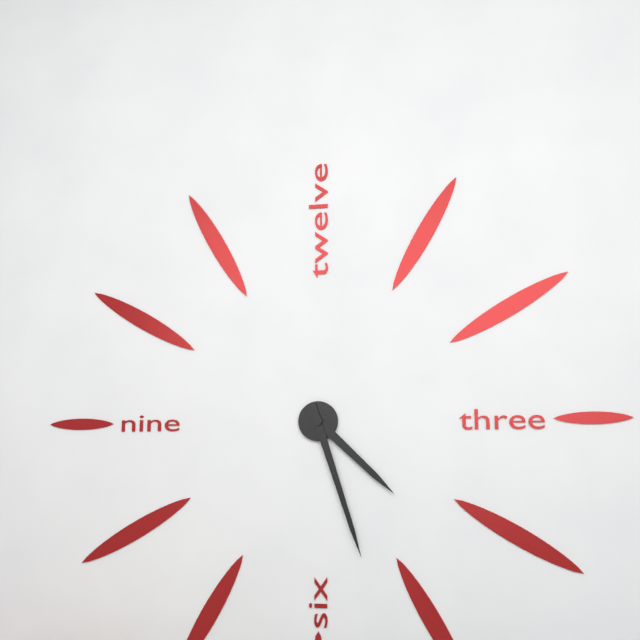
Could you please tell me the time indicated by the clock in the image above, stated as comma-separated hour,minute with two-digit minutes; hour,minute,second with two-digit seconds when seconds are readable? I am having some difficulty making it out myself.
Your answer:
4,27
